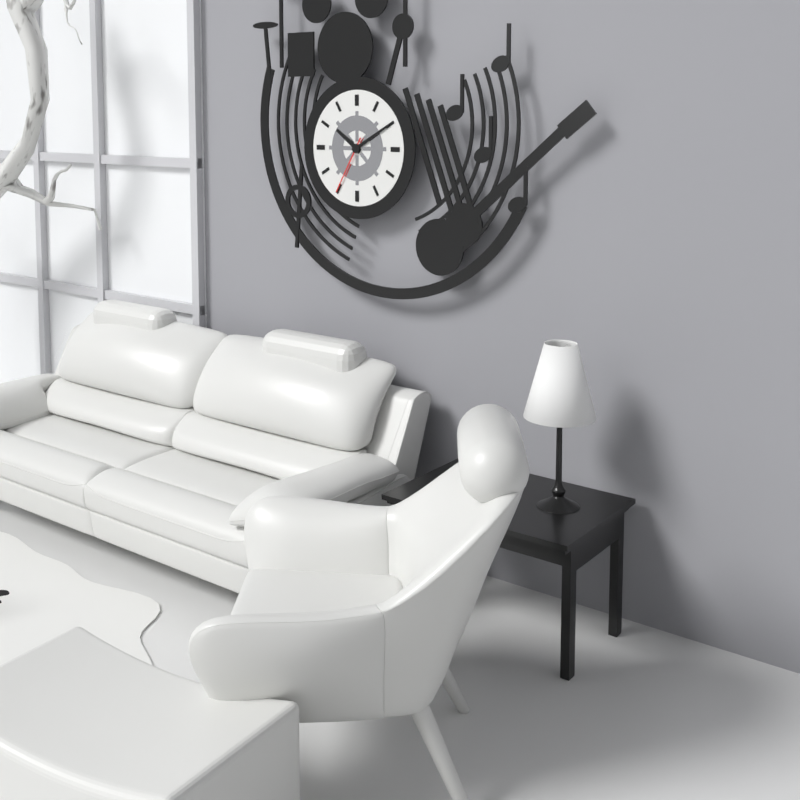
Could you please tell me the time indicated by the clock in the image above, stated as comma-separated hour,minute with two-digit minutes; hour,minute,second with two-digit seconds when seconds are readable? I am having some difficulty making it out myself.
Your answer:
10,10,35
